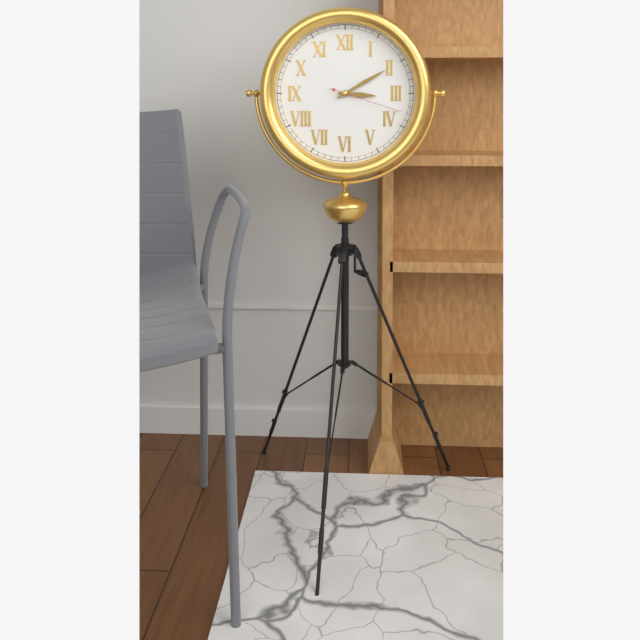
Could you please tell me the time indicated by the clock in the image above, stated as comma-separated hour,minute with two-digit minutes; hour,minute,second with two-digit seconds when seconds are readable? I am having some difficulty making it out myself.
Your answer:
3,10,18
